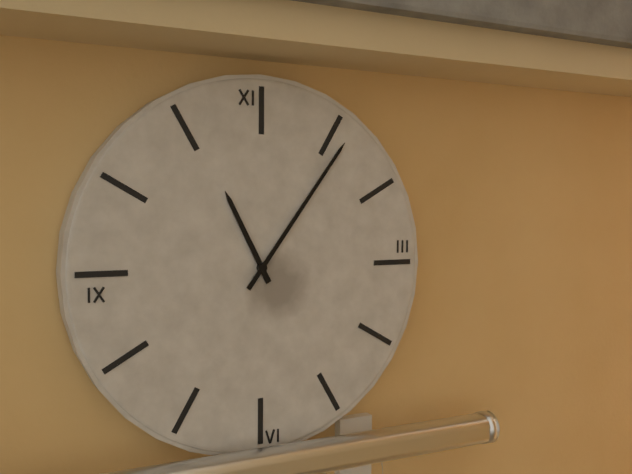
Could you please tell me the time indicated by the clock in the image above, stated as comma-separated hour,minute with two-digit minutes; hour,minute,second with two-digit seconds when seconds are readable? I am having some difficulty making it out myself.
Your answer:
11,06
